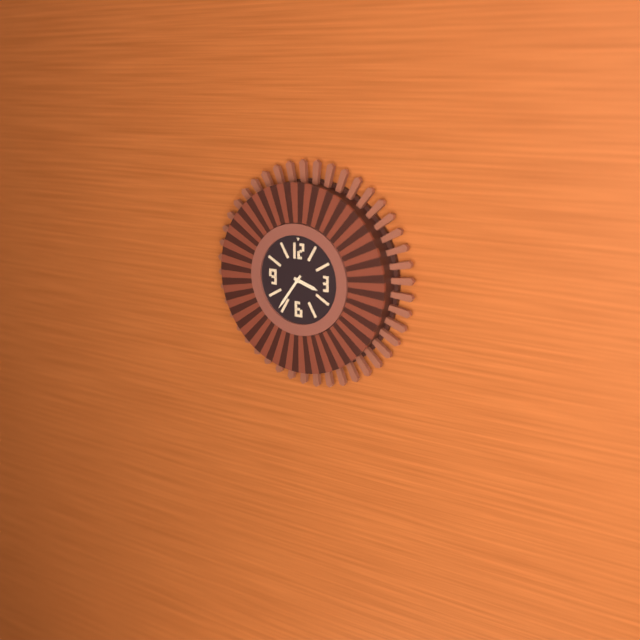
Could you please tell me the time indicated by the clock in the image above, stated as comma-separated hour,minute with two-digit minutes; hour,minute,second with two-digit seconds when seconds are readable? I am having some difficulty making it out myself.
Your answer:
3,36
